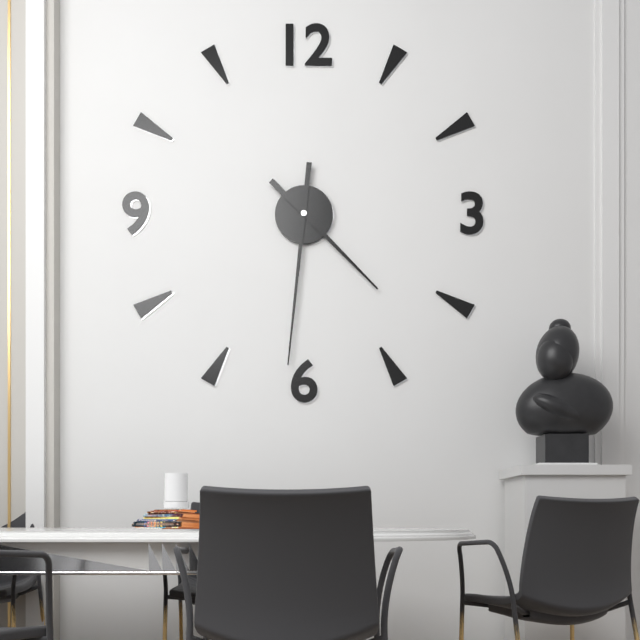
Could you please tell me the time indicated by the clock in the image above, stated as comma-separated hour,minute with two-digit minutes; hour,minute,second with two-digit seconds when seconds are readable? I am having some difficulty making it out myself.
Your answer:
4,31
